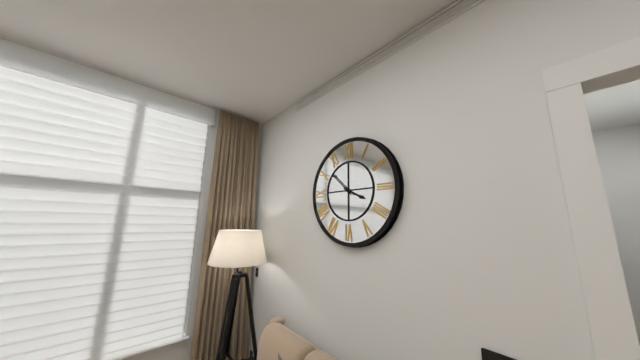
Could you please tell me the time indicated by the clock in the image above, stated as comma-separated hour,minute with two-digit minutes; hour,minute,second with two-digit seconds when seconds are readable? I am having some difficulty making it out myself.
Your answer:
3,52
